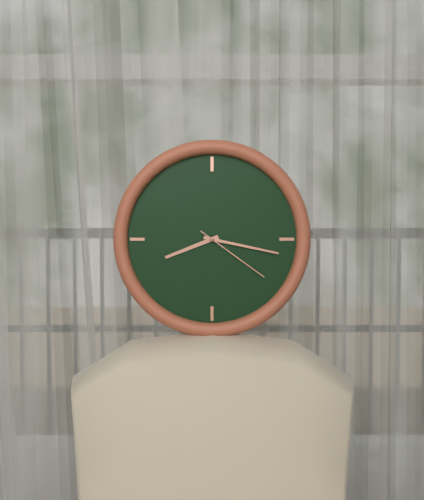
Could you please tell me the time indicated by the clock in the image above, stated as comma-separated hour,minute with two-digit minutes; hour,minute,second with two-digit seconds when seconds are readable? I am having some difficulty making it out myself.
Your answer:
8,17,21
